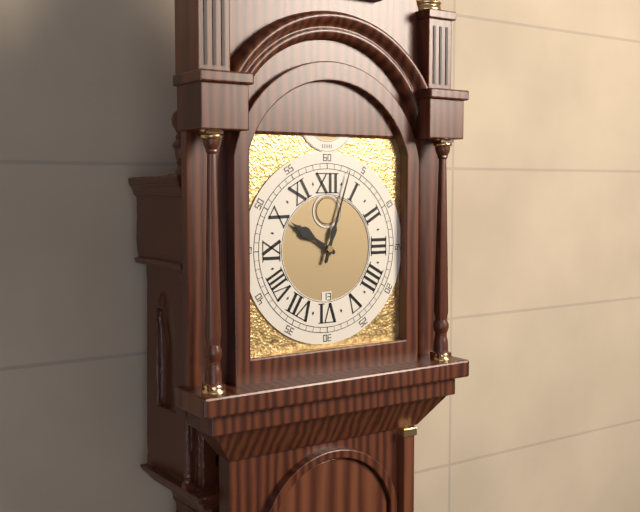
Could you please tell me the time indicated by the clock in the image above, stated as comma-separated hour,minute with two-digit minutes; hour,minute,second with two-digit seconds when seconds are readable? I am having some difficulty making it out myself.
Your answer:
10,03
